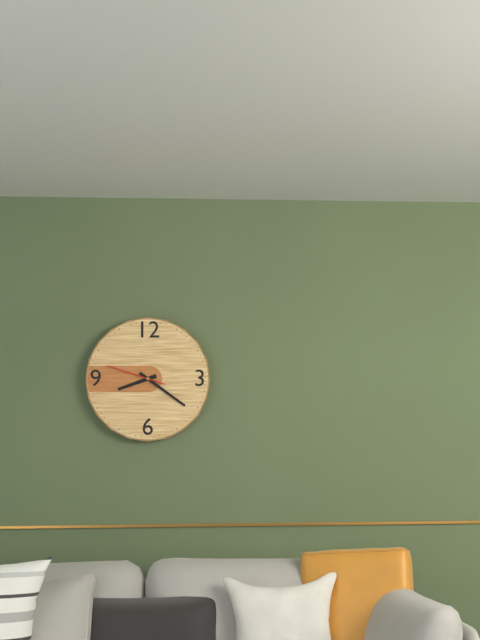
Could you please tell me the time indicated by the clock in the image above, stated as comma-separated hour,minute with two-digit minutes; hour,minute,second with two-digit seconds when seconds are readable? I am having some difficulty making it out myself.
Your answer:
8,21,48
